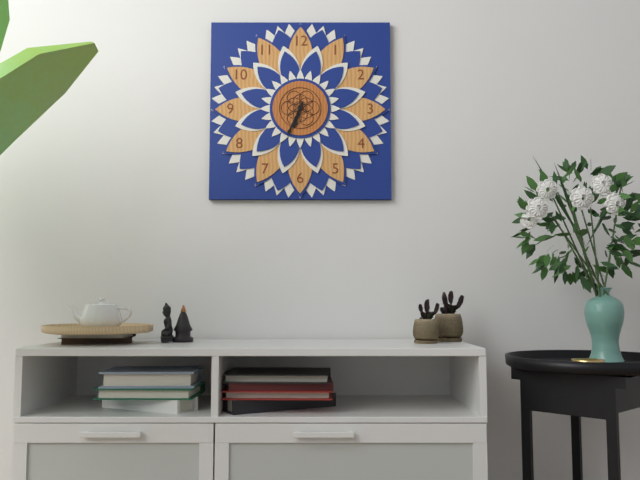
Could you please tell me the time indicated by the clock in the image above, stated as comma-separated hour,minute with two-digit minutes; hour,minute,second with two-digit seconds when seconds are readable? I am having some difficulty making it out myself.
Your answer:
6,34
